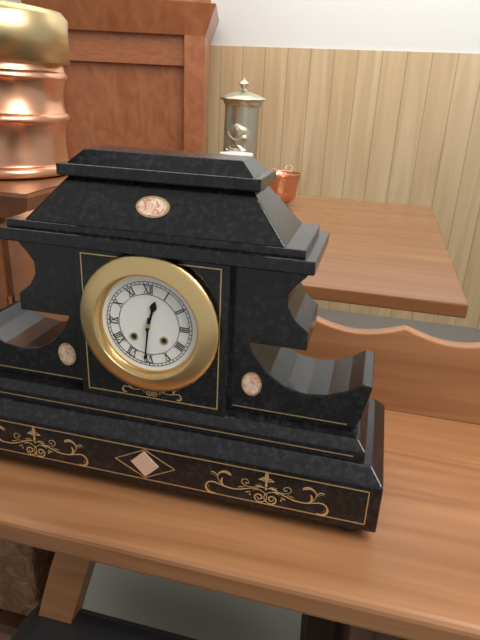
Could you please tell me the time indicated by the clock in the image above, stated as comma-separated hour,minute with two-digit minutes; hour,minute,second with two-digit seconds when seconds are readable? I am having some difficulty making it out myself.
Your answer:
12,31
